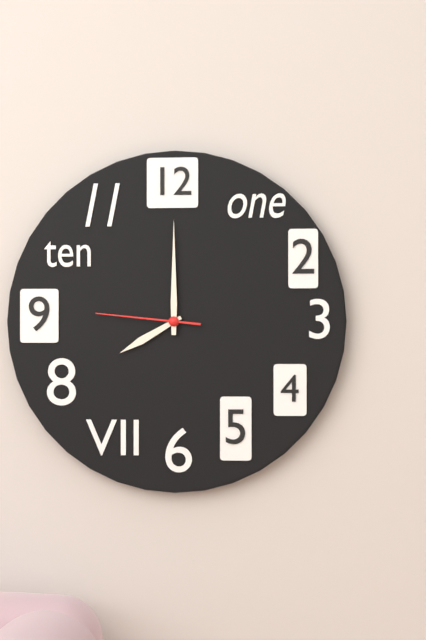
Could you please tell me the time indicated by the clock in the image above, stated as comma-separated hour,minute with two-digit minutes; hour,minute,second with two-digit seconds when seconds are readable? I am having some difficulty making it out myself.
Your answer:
8,00,46
